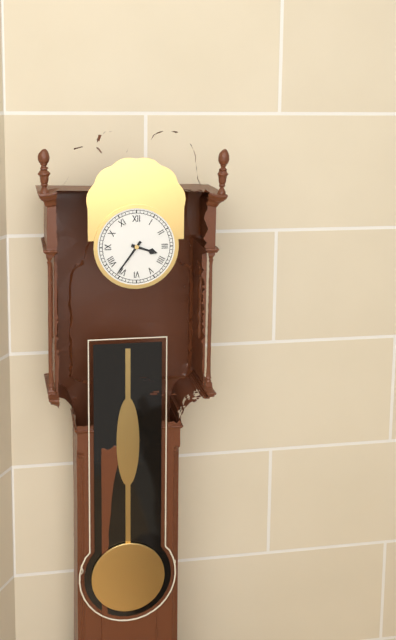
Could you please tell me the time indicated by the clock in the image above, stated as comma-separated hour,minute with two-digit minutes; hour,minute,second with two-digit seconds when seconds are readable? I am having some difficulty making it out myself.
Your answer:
3,36
